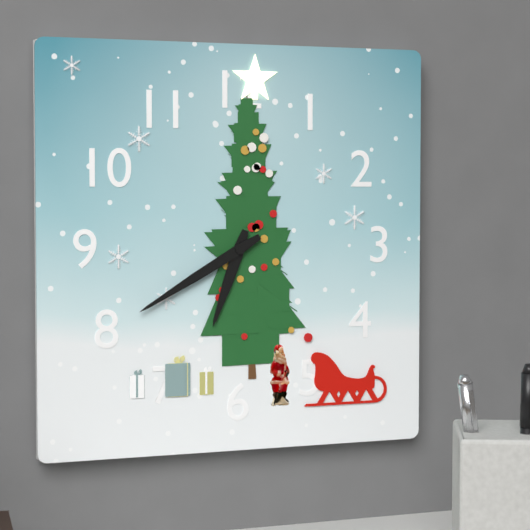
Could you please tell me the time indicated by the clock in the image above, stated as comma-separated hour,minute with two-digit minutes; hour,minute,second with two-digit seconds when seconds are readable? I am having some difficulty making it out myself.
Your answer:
6,40
